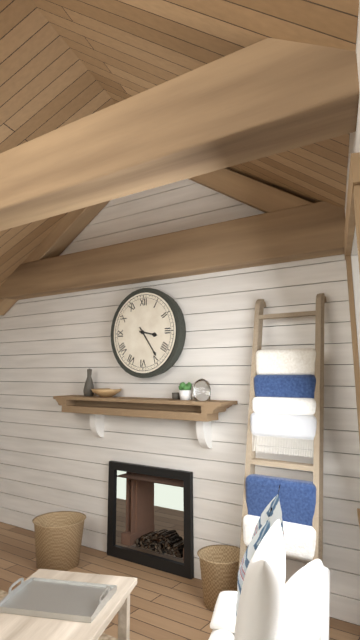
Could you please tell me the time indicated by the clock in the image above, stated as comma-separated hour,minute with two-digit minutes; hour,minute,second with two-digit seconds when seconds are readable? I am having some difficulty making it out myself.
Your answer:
3,24
